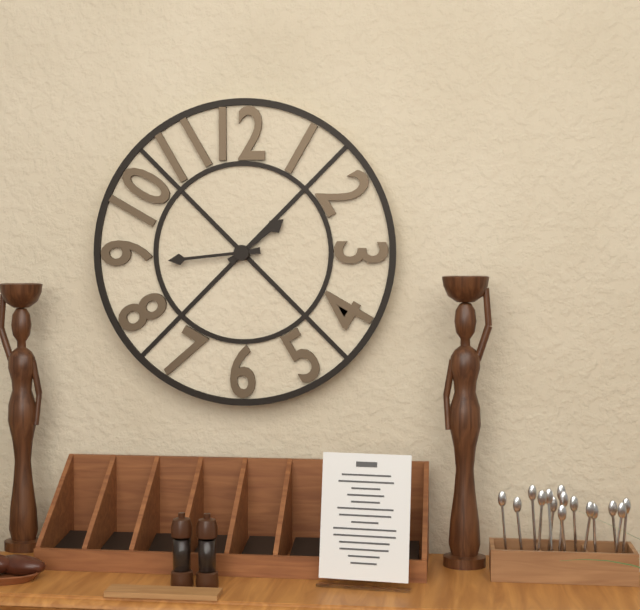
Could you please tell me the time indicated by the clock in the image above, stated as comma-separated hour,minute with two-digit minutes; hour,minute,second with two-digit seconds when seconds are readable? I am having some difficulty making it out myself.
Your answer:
1,44
